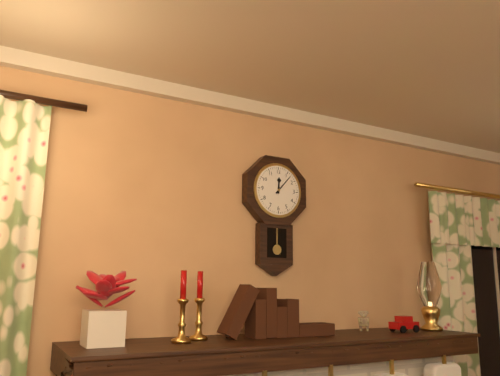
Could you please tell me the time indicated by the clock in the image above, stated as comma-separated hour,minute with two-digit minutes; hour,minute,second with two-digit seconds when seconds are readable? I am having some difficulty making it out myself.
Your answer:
12,07
